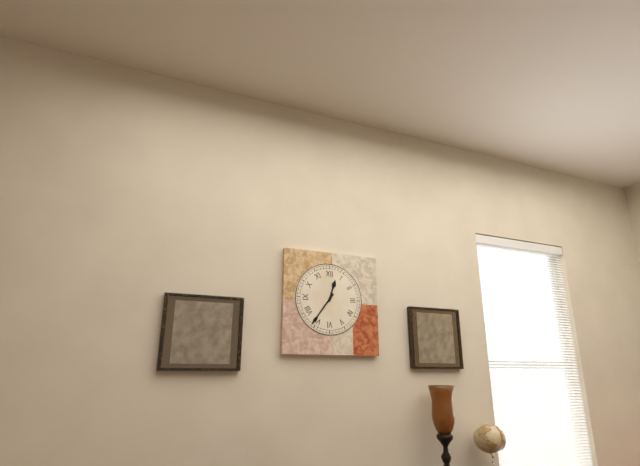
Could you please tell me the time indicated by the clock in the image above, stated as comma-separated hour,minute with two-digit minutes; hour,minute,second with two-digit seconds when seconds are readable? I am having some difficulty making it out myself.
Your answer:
12,36
